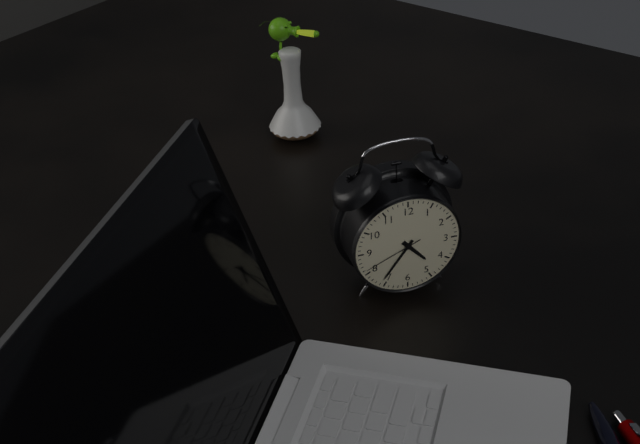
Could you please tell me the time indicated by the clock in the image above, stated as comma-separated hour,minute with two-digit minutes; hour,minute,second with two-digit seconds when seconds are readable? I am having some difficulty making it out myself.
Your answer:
4,36,41
